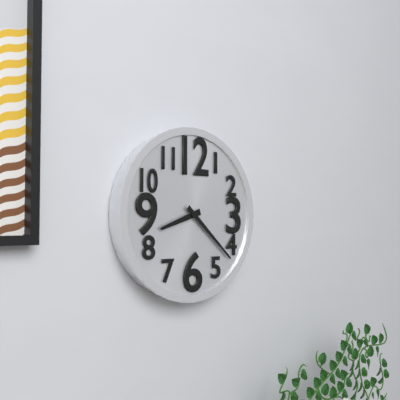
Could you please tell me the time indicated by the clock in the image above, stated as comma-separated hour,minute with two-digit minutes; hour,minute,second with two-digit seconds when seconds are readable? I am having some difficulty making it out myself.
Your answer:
8,22
